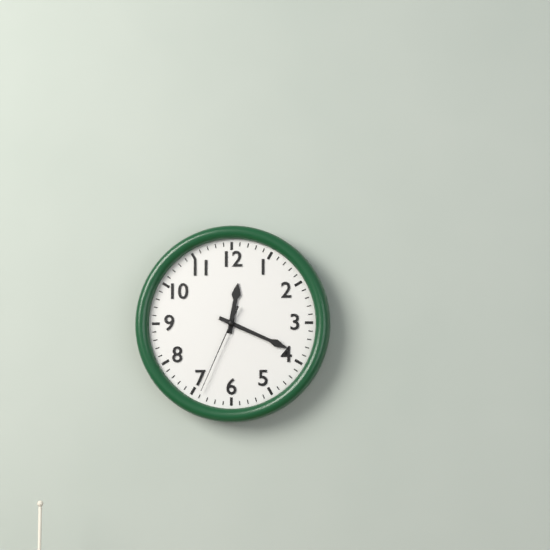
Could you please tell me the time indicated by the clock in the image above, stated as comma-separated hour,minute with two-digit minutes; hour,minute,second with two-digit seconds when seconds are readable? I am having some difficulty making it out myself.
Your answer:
12,19,34
